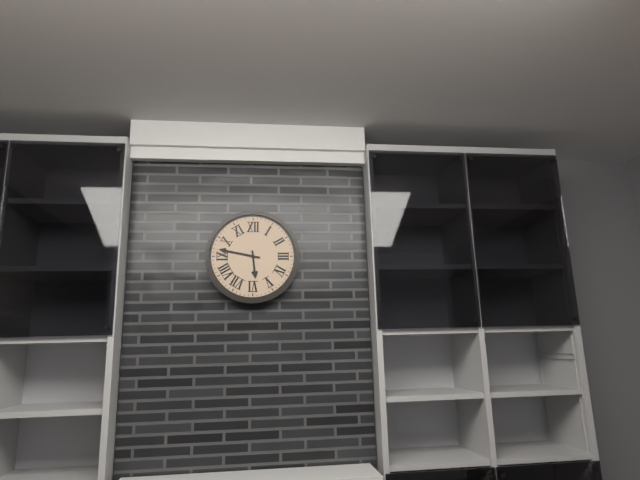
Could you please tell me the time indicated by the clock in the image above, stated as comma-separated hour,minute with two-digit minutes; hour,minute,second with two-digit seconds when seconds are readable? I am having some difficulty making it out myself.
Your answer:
5,47
